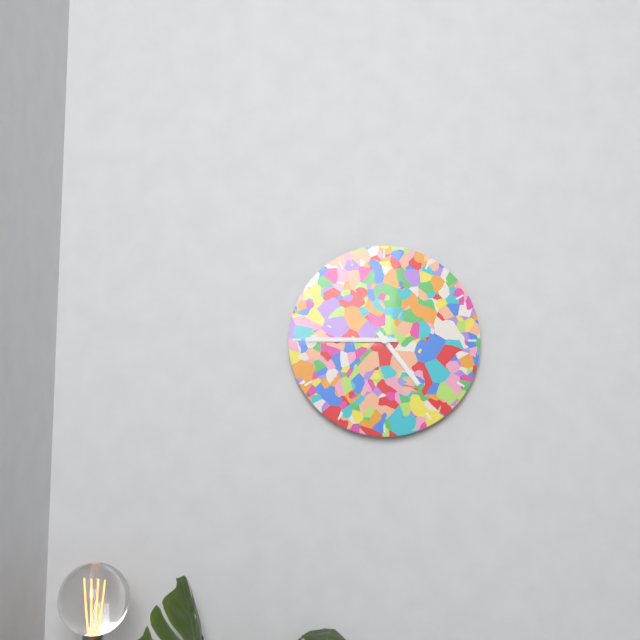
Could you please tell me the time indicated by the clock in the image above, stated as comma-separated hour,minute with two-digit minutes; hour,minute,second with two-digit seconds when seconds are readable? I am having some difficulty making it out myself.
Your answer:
4,45
